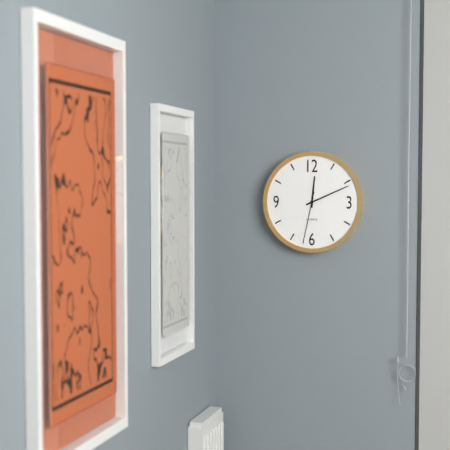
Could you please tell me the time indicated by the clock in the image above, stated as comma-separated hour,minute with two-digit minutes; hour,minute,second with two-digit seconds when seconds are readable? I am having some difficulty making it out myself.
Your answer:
12,11,32
